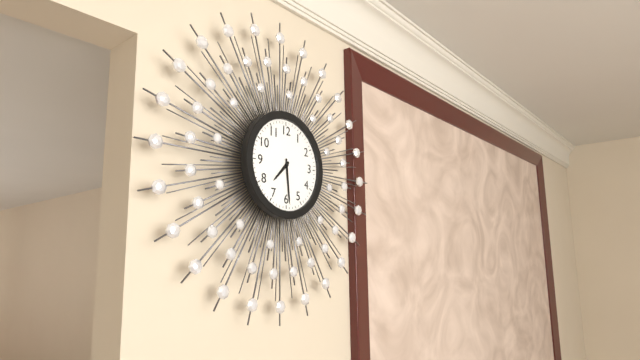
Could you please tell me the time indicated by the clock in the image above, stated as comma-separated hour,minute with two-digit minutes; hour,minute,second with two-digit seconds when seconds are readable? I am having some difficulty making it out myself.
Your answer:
7,29
